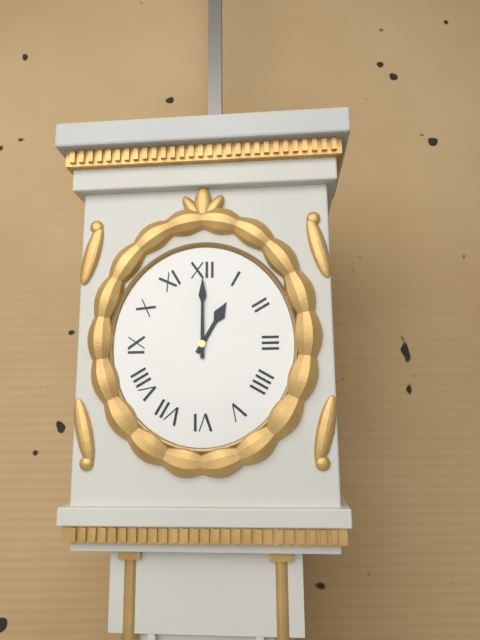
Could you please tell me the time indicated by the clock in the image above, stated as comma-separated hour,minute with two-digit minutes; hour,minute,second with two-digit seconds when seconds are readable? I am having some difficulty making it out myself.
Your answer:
1,00
